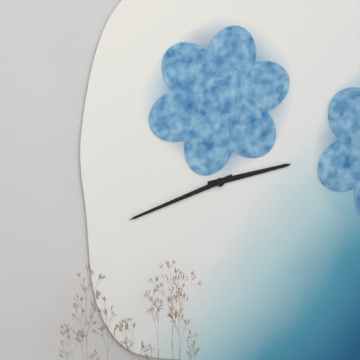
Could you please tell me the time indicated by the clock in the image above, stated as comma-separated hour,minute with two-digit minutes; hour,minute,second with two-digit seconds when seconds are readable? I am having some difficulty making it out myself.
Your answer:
2,42
